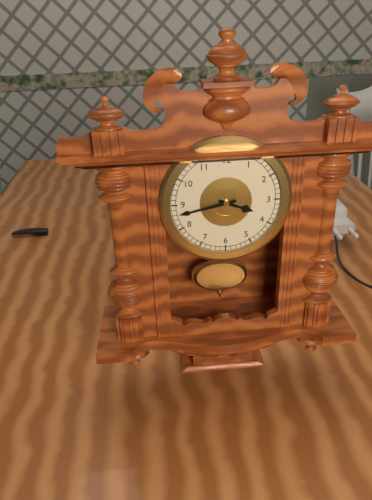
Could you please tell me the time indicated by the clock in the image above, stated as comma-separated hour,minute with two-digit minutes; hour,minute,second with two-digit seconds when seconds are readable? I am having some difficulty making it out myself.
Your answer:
3,43
